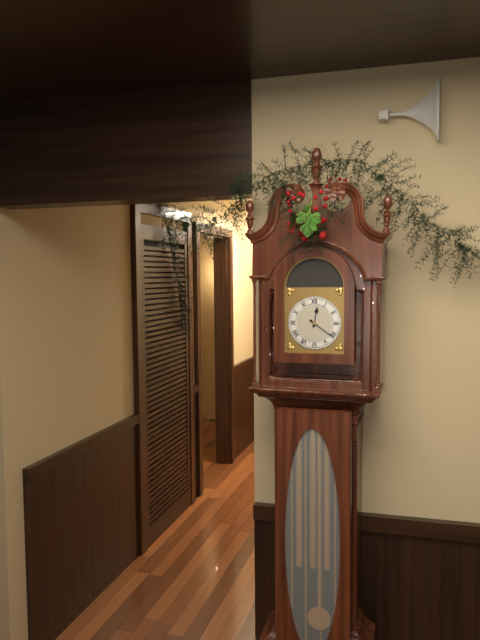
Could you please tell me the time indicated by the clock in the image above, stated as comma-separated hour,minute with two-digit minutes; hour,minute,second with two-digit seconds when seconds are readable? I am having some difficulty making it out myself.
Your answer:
12,21
